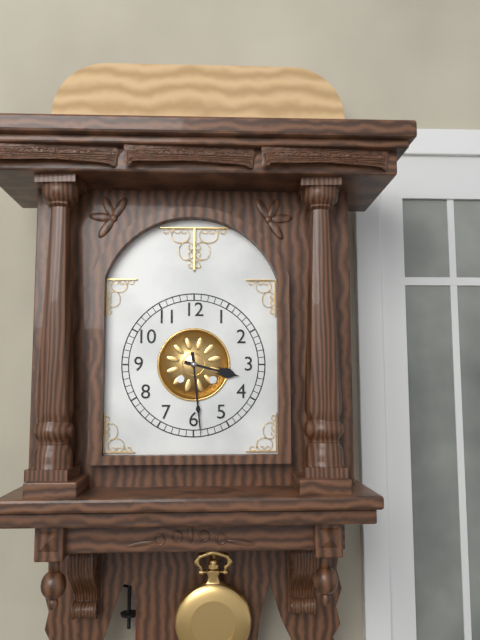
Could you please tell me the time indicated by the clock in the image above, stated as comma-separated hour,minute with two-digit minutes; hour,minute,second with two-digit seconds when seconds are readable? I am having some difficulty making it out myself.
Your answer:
3,29
